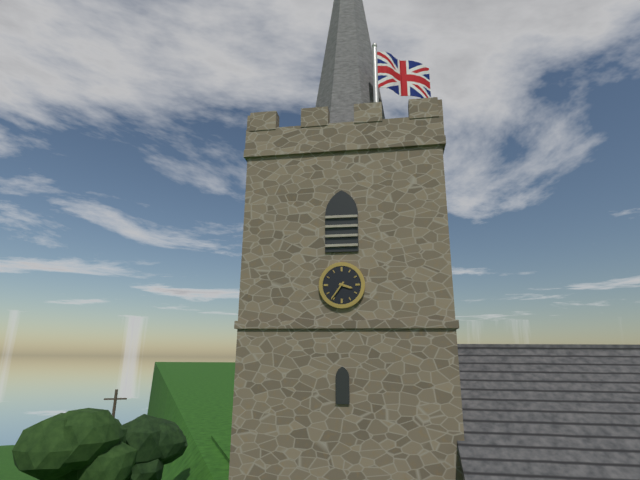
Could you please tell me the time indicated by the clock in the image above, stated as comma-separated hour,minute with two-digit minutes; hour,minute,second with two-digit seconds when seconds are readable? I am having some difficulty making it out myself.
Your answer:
3,36
